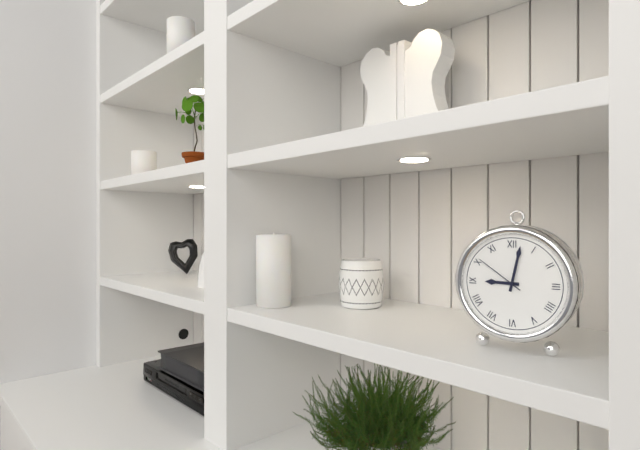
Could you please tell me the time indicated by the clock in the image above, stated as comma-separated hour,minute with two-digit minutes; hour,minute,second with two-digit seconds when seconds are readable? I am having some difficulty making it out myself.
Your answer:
9,02,51
